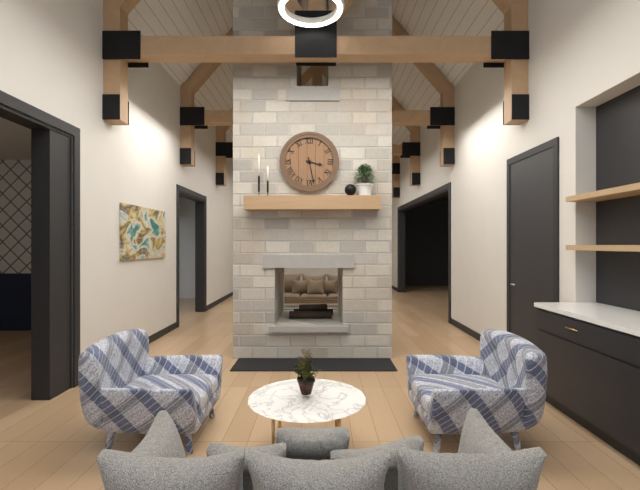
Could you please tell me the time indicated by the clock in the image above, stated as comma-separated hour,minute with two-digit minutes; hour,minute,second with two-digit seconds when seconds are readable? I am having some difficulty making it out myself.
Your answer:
3,28
